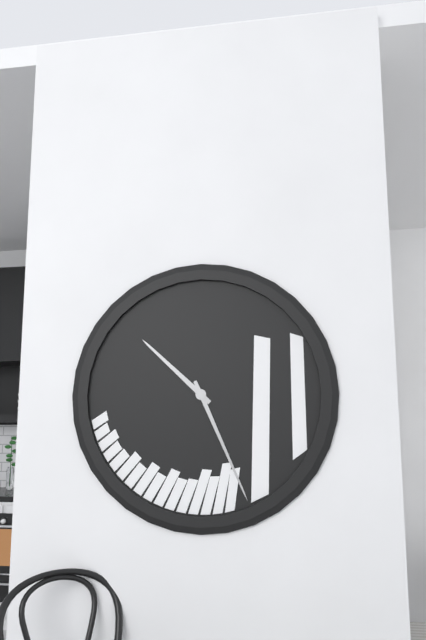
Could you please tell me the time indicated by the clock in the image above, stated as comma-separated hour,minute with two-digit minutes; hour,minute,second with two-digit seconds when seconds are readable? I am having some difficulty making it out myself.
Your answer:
10,26
